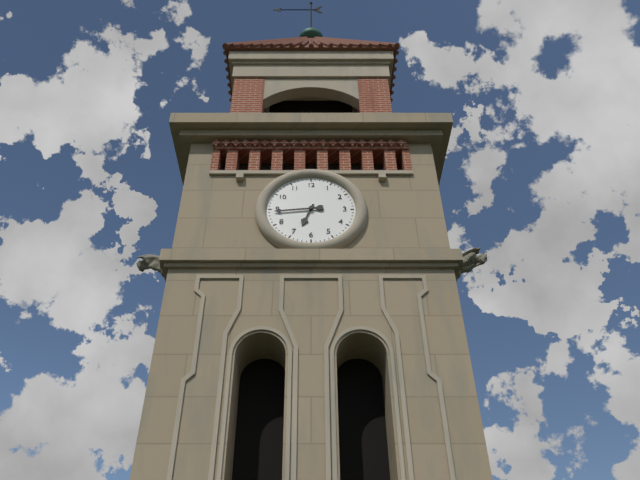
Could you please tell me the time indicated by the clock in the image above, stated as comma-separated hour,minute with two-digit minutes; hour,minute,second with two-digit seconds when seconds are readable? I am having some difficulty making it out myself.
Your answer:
6,44
